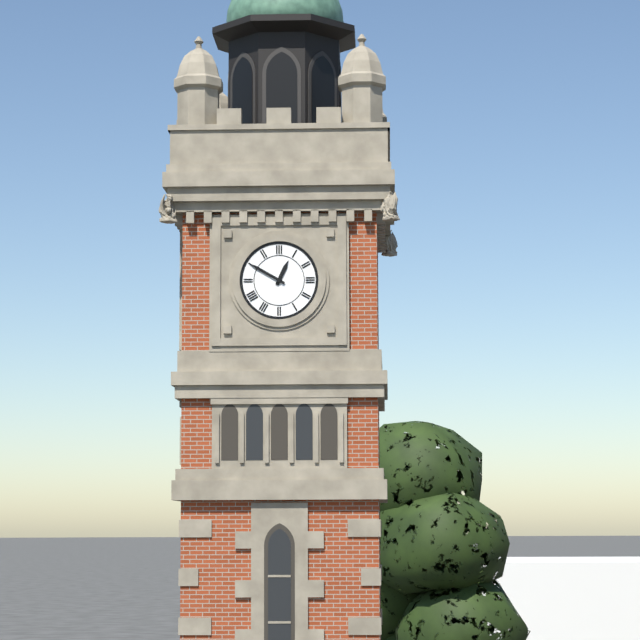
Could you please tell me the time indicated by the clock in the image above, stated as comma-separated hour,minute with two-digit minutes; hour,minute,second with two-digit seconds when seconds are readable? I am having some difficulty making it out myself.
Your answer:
12,50
